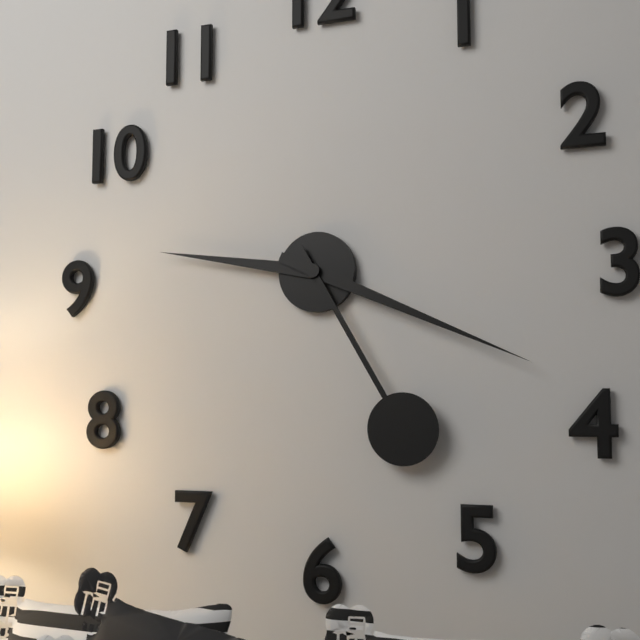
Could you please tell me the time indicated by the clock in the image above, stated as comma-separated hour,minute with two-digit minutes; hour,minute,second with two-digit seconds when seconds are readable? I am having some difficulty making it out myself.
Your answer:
9,19,25
